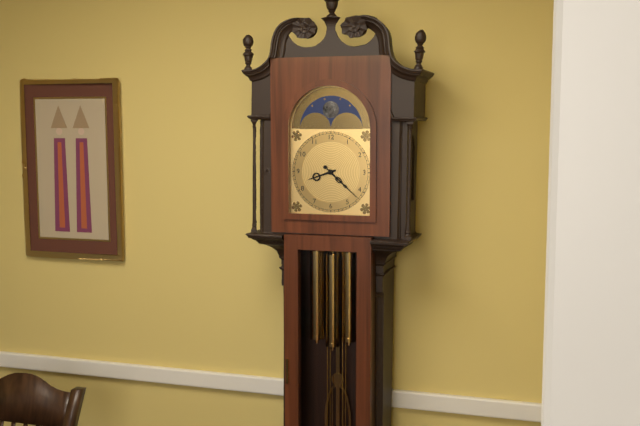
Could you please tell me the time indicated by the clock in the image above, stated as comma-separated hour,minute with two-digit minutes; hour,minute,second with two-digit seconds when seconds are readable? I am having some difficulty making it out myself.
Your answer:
8,22
